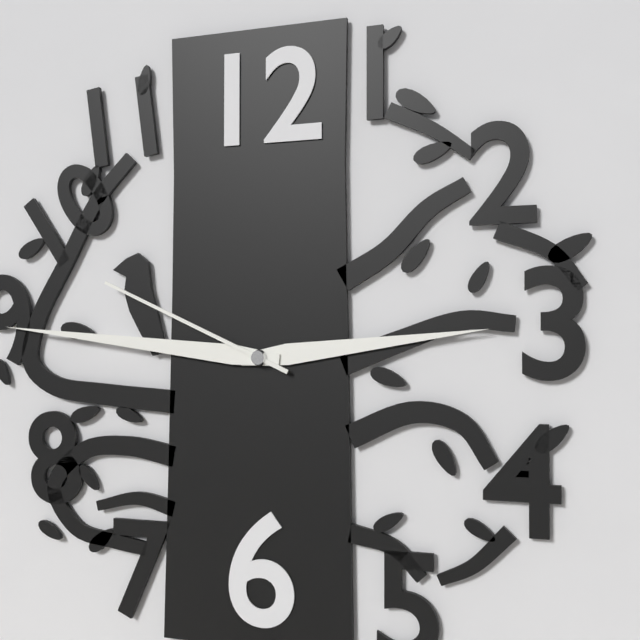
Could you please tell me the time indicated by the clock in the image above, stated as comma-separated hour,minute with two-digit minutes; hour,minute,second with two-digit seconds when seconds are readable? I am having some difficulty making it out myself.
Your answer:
2,46,49
